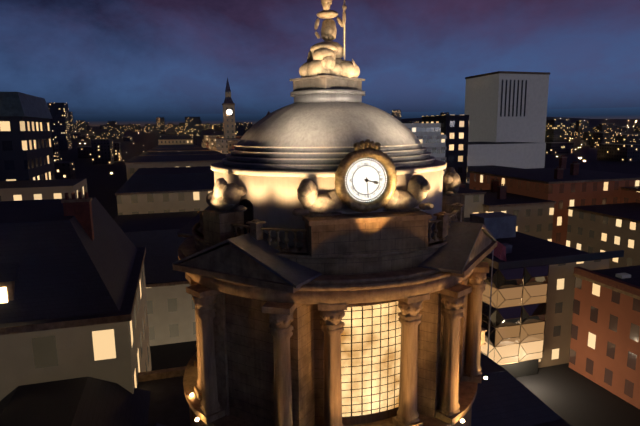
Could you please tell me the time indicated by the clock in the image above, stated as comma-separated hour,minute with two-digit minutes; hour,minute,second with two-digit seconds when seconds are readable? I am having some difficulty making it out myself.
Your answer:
3,29
